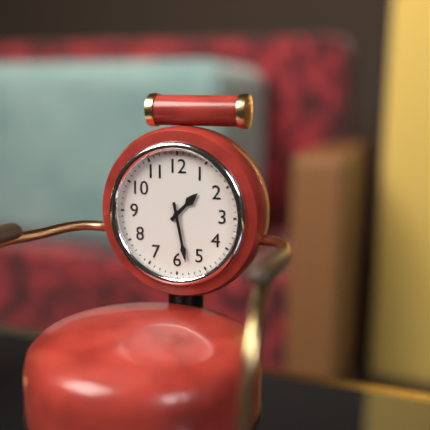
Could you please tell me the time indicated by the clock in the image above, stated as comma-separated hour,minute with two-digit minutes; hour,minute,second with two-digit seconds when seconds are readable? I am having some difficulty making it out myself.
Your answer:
1,28
